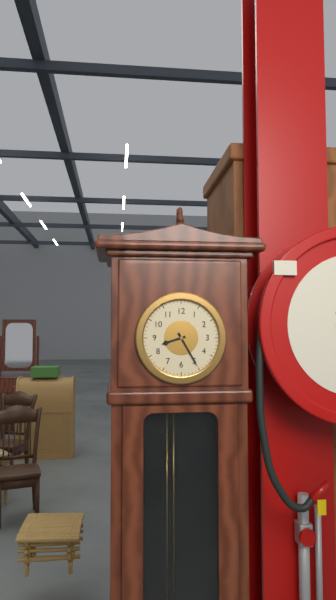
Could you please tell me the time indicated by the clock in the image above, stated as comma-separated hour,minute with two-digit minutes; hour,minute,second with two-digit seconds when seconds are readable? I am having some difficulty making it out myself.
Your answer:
8,25
